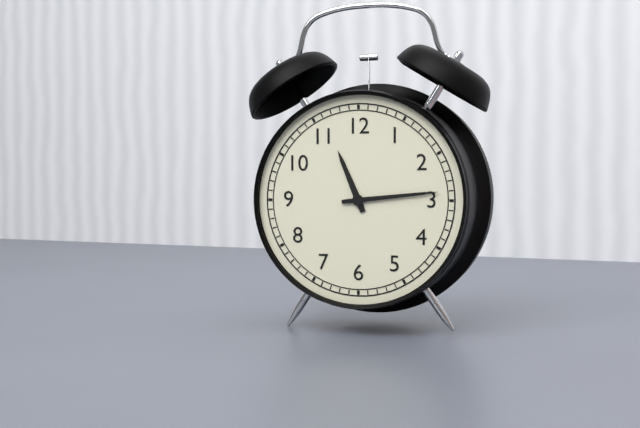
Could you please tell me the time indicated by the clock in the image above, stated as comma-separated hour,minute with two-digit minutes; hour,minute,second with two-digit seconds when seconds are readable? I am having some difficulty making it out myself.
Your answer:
11,14
